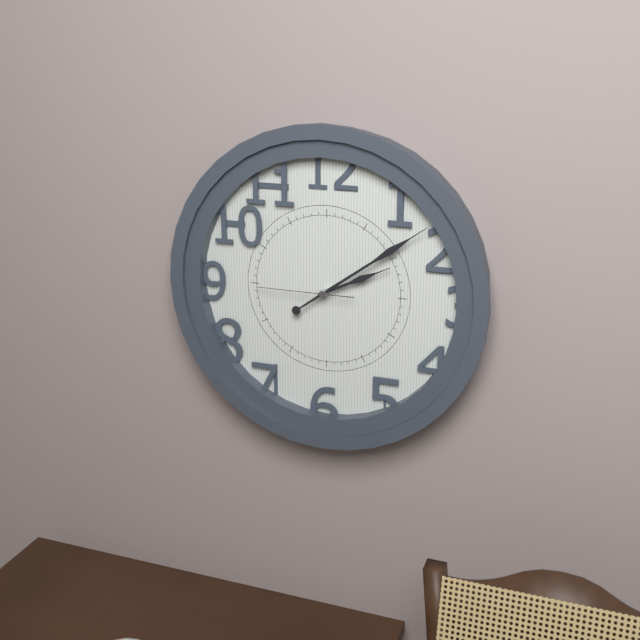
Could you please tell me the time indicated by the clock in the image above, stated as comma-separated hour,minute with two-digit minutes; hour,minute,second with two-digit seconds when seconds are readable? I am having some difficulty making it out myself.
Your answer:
2,09,45
